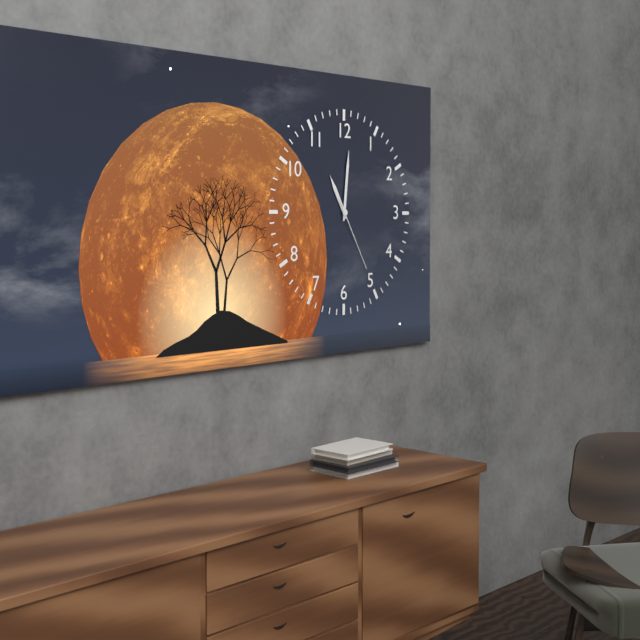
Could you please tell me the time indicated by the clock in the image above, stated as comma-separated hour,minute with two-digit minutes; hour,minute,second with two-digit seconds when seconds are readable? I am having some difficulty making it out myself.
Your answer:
11,01,25
